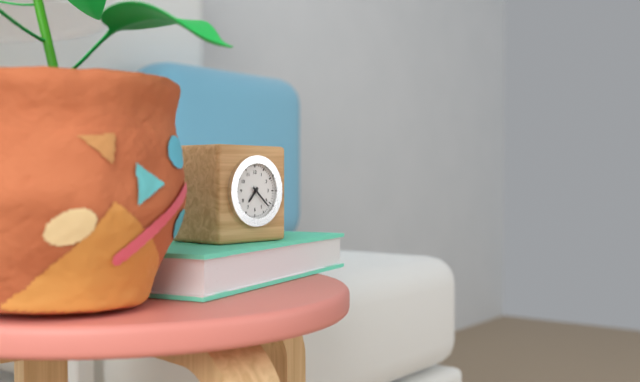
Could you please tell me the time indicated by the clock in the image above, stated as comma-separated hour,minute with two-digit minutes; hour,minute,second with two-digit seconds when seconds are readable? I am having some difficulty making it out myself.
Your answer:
7,22
